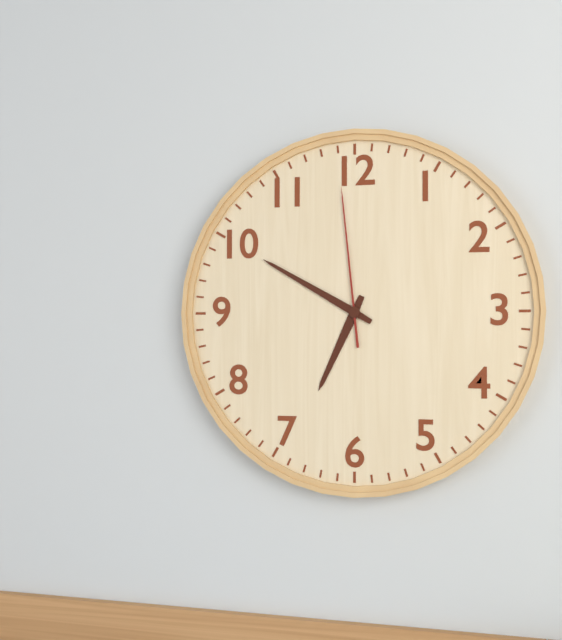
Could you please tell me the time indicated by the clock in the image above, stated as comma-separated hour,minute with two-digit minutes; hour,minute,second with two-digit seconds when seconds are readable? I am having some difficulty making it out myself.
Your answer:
6,50,59
